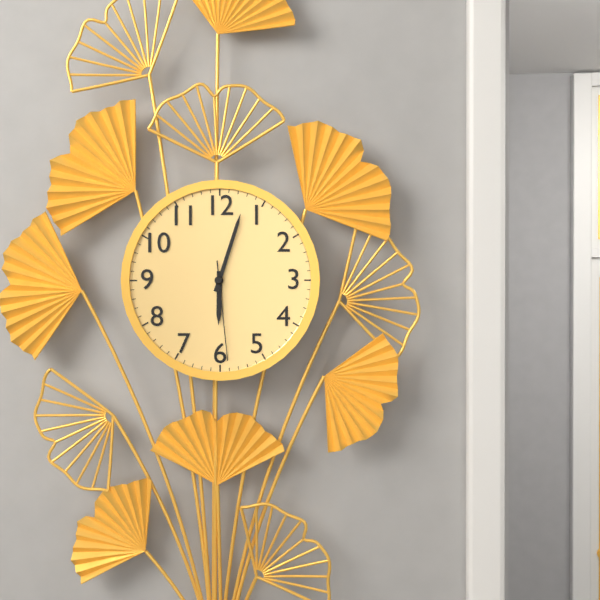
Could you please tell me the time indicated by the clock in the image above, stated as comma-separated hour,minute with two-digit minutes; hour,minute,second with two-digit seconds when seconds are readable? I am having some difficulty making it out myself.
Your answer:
6,03,29
